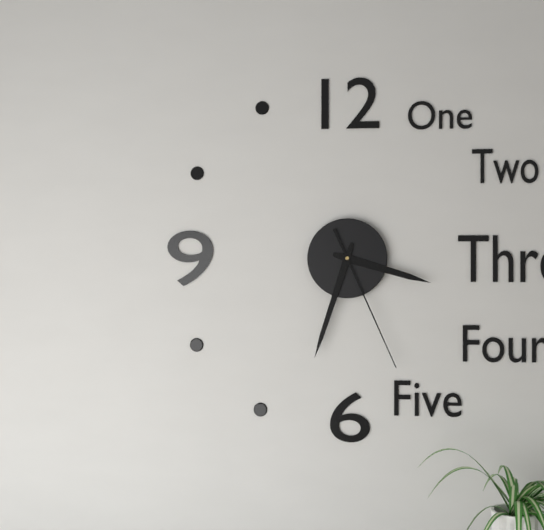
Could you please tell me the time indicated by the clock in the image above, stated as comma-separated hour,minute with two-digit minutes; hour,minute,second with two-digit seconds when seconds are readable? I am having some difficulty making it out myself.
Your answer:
3,33,26
